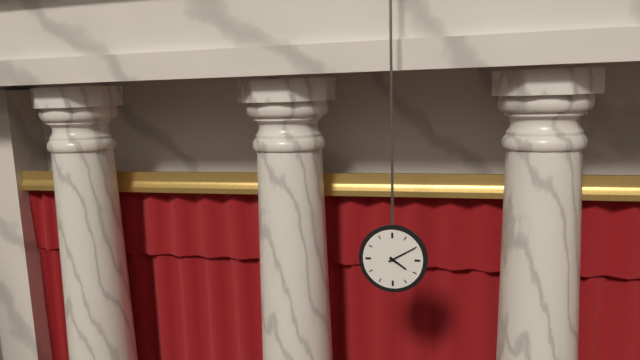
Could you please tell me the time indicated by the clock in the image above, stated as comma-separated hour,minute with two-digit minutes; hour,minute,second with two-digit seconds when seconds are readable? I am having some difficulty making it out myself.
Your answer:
4,10
